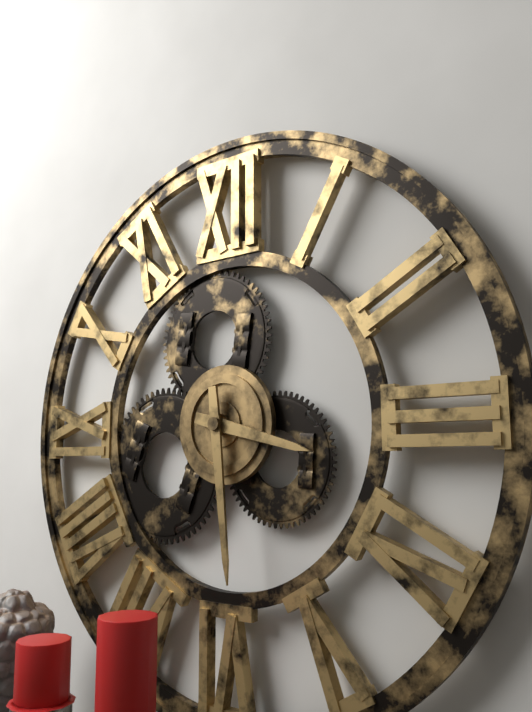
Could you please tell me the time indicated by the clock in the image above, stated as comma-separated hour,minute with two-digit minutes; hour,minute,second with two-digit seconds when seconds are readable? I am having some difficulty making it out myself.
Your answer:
3,29
